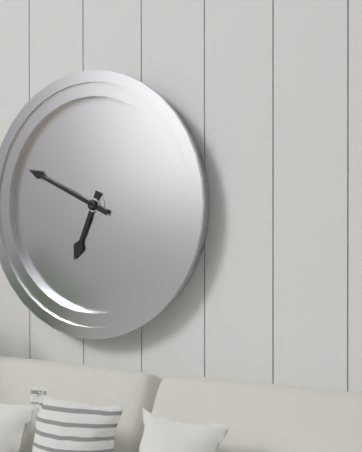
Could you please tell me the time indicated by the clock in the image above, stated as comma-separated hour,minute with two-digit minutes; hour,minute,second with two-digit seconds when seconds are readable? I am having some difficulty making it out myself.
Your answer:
6,49
